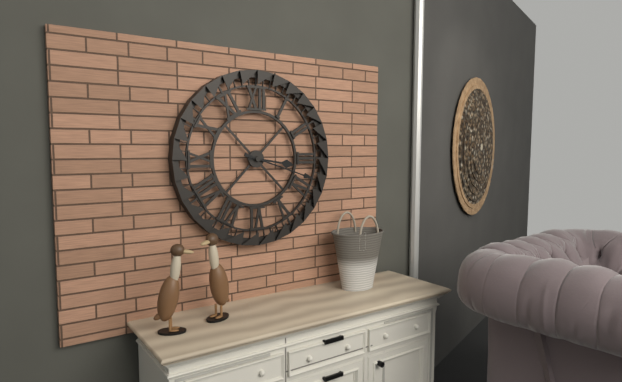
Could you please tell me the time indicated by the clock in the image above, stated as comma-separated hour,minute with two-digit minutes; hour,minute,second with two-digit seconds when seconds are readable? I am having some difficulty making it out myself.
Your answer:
3,18
